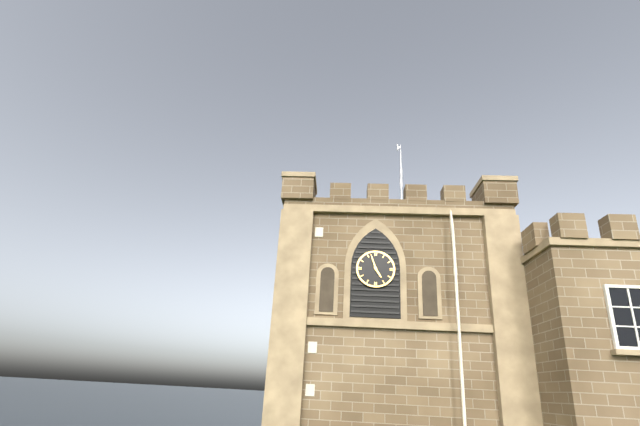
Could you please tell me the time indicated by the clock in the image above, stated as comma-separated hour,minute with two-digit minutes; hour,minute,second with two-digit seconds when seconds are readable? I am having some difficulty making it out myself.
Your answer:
4,57
